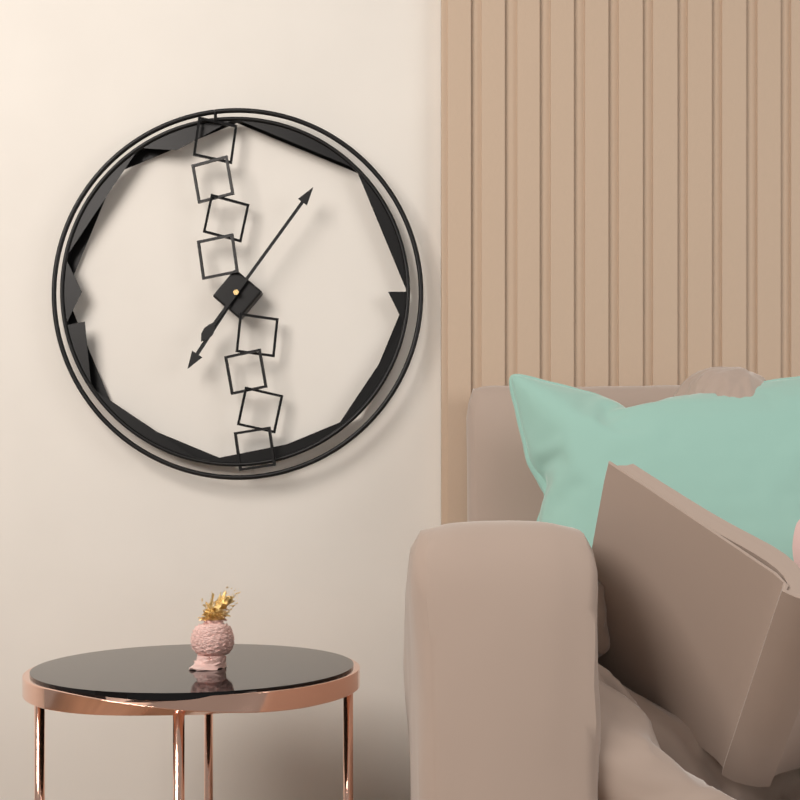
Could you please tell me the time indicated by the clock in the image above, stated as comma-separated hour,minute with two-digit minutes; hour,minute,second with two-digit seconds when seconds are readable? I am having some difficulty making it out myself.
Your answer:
7,06
